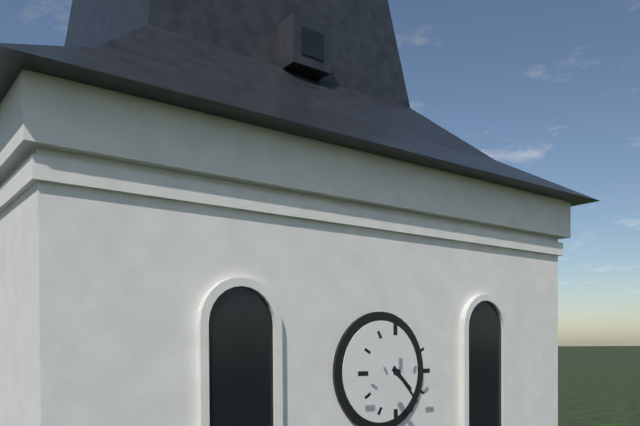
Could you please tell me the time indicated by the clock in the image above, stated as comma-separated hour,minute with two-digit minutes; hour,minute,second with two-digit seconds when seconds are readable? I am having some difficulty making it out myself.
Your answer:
4,23
